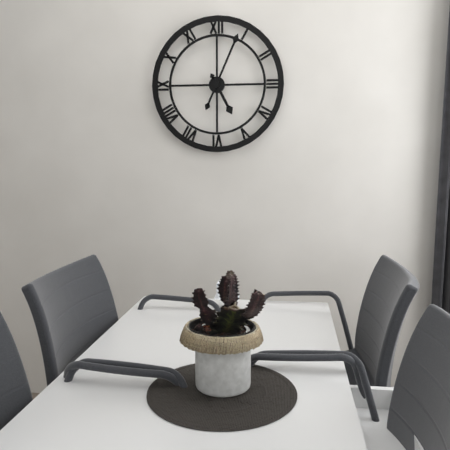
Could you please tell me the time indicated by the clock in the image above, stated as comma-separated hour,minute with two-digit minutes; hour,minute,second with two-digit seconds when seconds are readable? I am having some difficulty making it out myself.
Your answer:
5,04
